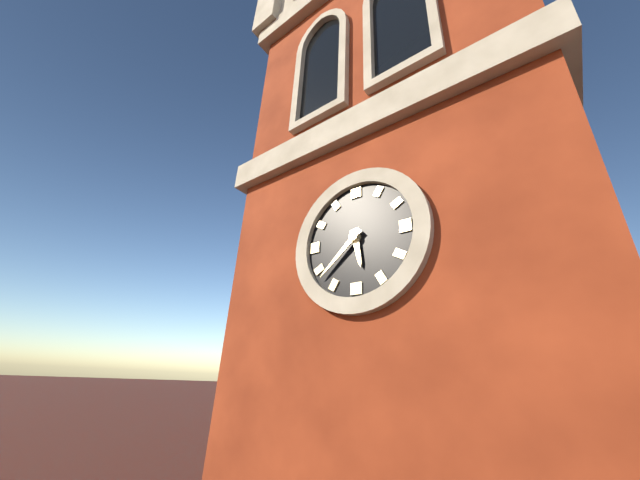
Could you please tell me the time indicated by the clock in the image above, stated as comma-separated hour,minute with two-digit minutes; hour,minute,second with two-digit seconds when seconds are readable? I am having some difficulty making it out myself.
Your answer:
5,38
